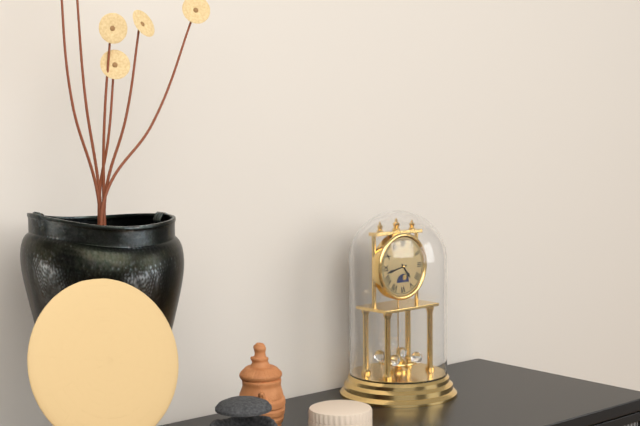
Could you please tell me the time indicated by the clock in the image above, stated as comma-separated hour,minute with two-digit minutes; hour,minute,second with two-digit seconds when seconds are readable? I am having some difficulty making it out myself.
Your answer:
4,43
